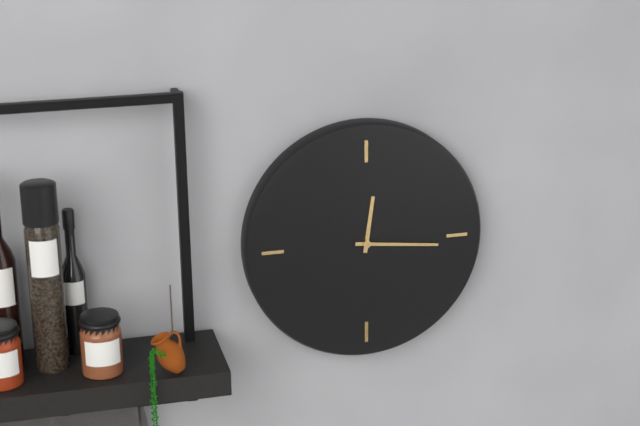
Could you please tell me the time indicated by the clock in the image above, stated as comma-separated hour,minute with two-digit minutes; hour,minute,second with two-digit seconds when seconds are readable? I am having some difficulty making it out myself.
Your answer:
12,16
